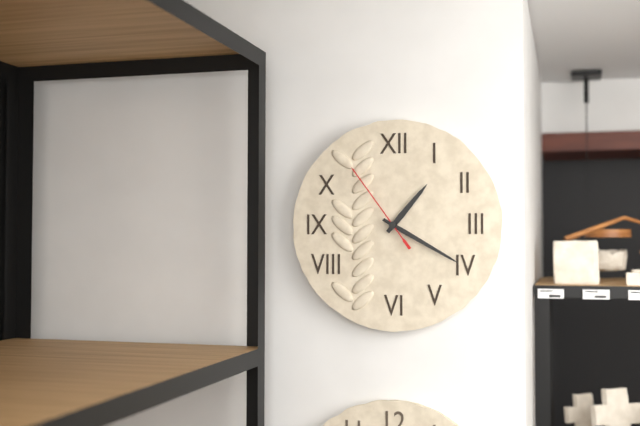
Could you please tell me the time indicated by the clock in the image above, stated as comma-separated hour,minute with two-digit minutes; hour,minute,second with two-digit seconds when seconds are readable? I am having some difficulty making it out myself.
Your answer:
1,20,54
